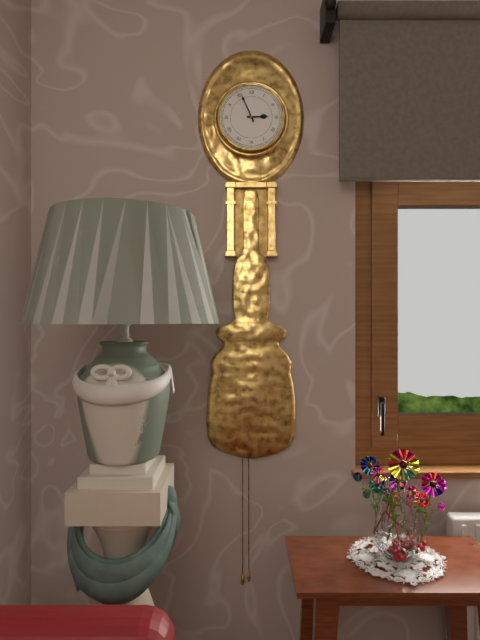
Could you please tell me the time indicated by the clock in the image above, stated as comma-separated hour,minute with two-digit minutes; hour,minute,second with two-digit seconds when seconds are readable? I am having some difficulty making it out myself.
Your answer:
2,56
